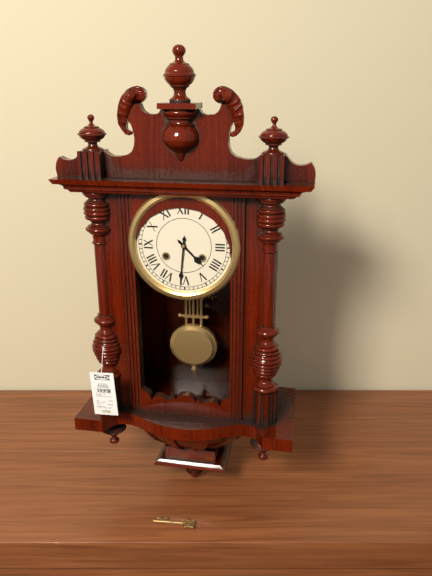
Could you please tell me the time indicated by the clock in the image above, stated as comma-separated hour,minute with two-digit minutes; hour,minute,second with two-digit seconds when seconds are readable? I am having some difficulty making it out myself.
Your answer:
4,31
